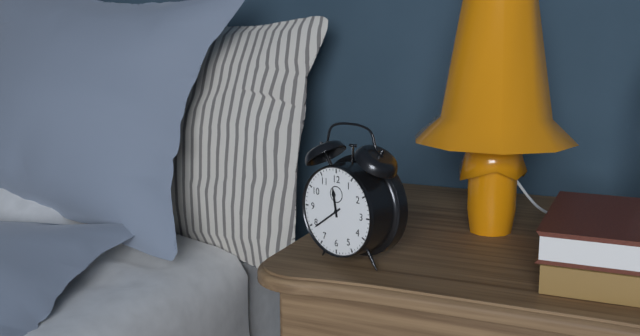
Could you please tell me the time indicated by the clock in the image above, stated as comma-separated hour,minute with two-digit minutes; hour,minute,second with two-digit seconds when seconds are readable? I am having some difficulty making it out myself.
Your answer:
11,39
